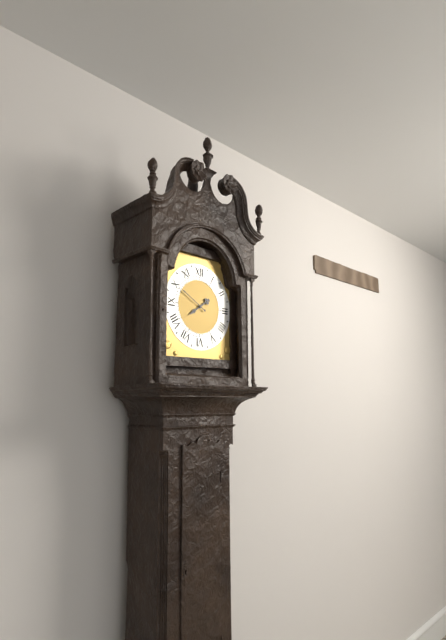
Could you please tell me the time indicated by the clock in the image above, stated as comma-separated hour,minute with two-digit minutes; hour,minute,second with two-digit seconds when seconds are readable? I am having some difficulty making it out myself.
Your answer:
7,50
